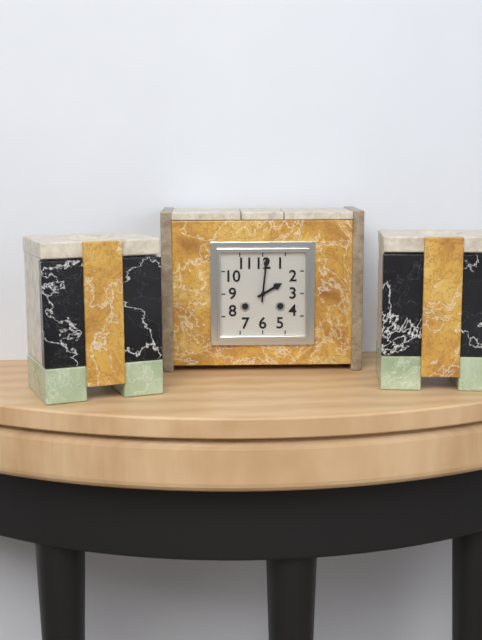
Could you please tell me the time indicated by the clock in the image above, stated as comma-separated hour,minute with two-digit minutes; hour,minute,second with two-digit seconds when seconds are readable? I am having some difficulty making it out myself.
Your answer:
2,01
